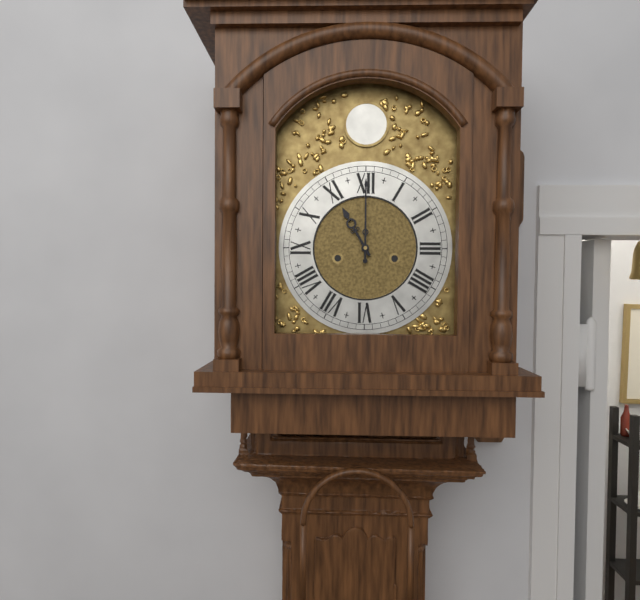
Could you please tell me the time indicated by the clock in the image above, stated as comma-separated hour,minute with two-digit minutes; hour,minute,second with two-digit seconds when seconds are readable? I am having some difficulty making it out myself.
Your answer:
11,00
